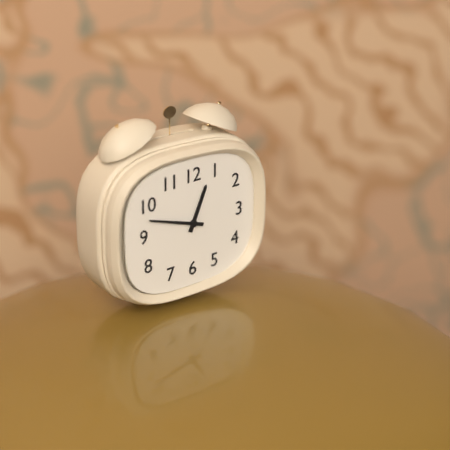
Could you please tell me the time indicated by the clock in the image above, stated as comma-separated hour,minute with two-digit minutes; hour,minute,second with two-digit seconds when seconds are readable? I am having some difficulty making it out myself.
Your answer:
12,48
